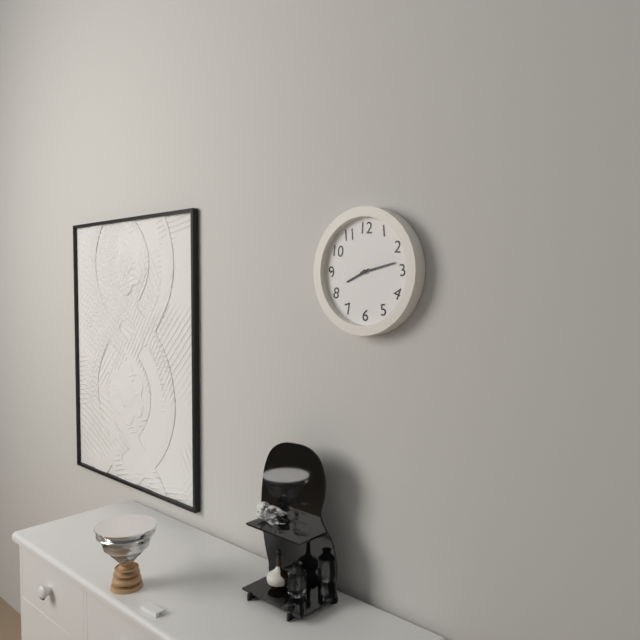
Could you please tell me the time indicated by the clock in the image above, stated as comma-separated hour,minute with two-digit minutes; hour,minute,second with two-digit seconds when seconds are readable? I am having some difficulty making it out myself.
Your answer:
8,13
